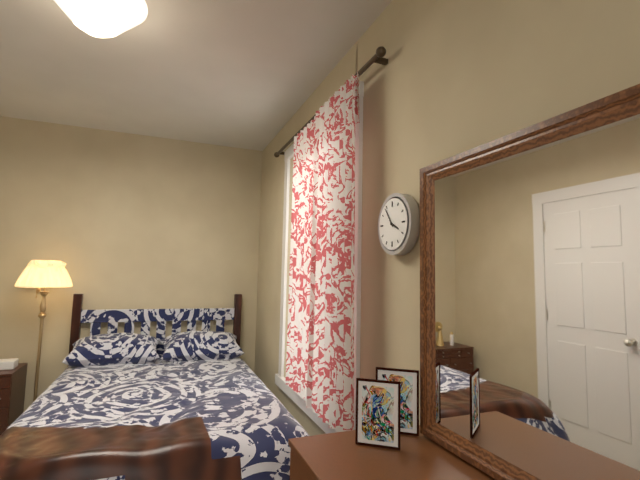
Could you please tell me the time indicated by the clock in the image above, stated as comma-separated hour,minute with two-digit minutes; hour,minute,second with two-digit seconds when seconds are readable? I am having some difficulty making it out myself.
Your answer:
3,54
